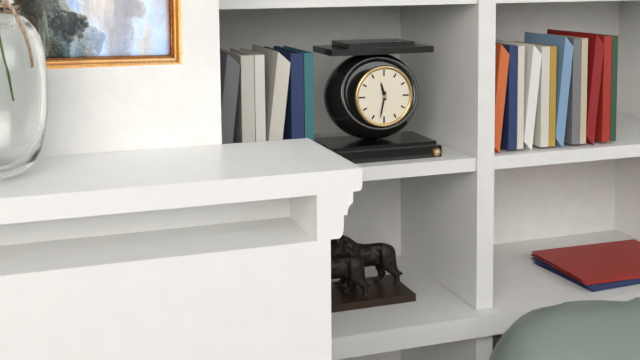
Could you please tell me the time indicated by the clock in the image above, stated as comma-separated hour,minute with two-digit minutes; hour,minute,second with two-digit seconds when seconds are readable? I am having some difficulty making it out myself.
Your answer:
11,32
